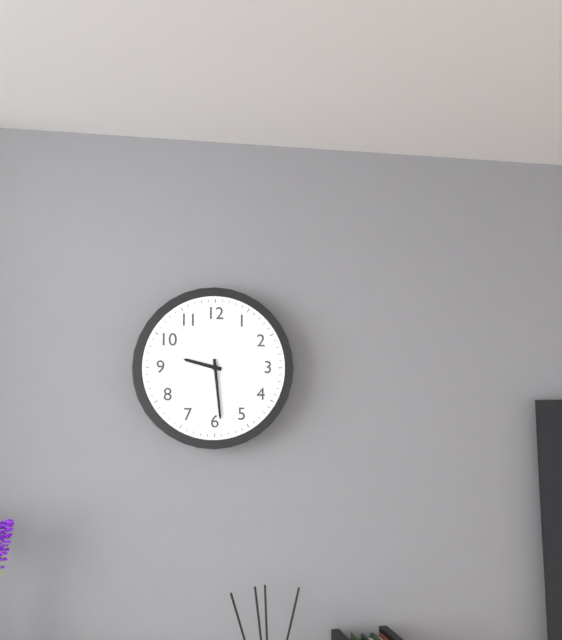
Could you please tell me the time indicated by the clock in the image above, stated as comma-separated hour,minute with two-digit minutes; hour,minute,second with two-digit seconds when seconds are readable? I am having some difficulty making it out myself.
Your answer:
9,29
